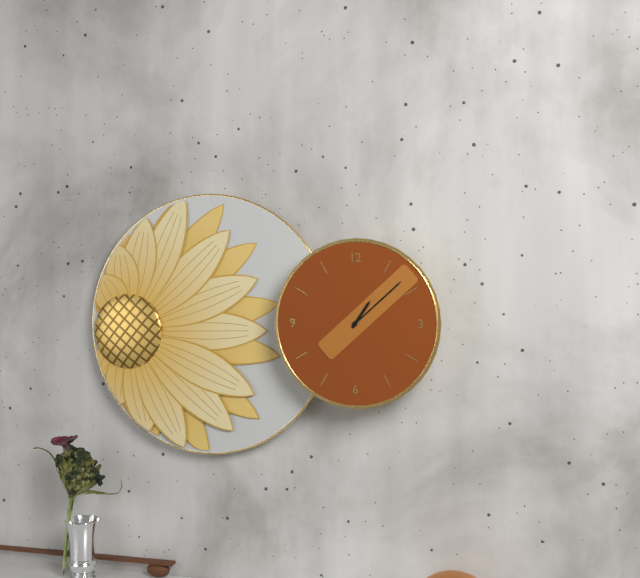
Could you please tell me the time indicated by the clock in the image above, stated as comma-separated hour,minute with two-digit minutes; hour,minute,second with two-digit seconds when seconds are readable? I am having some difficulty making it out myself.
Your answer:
1,08
